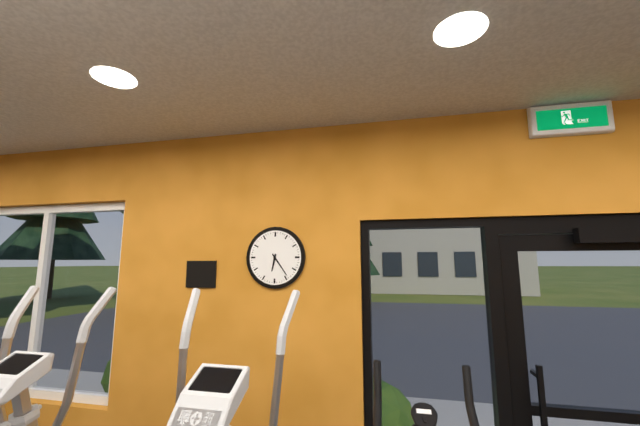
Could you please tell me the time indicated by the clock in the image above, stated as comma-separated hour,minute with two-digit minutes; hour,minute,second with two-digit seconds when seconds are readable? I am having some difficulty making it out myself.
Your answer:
6,24
